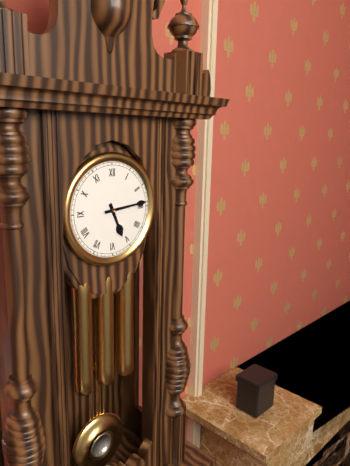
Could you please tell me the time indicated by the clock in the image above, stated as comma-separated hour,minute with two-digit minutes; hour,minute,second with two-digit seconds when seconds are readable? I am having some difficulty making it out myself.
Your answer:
5,14
